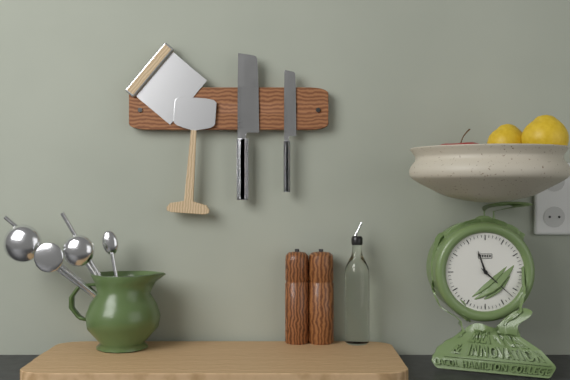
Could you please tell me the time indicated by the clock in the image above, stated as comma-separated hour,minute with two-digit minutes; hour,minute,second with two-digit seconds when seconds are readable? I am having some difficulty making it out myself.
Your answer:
11,22
